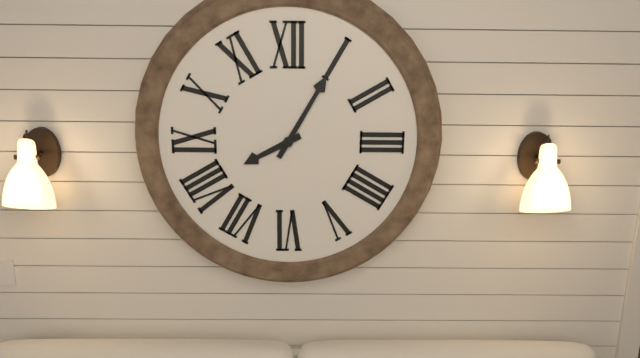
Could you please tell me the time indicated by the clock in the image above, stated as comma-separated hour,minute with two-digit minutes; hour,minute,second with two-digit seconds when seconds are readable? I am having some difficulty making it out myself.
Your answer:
8,05
